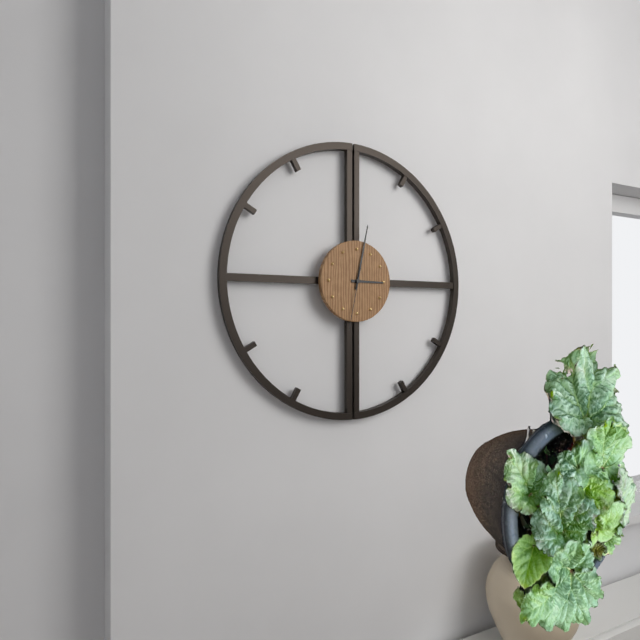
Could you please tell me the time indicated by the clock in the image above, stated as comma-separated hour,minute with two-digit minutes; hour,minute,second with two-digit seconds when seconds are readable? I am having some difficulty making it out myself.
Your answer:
3,02,32
